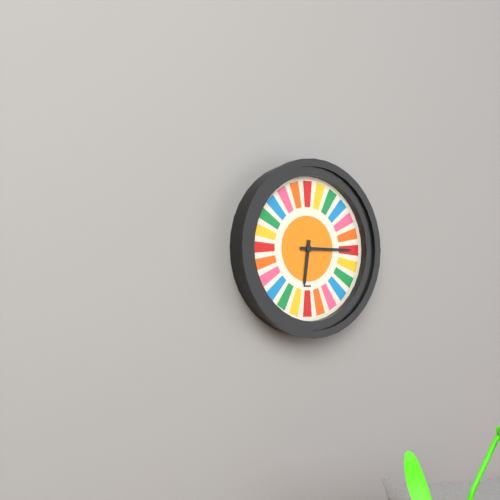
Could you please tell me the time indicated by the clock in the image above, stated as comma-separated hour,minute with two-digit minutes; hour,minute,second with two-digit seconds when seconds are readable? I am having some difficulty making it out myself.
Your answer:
6,15
